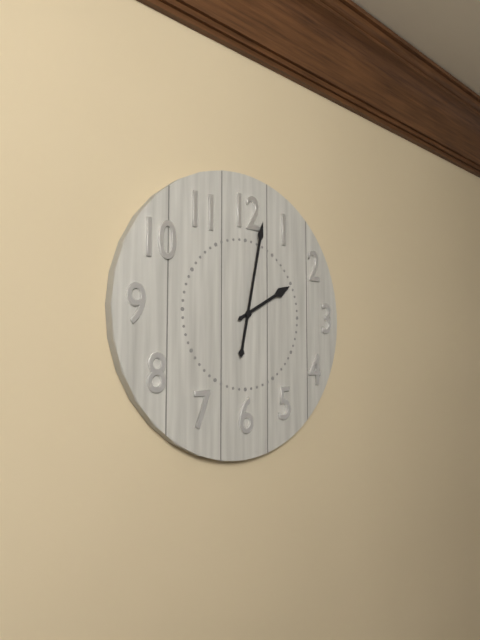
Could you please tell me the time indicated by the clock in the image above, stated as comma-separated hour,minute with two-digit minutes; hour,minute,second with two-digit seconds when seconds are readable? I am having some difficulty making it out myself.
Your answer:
2,02
